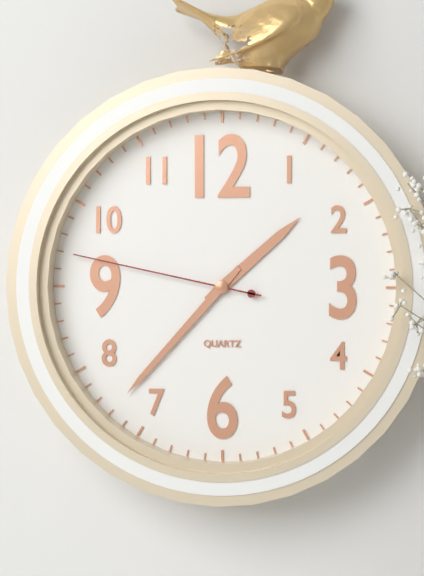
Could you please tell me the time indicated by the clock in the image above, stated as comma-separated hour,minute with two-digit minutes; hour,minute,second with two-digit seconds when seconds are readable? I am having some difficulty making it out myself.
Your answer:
1,37,47
